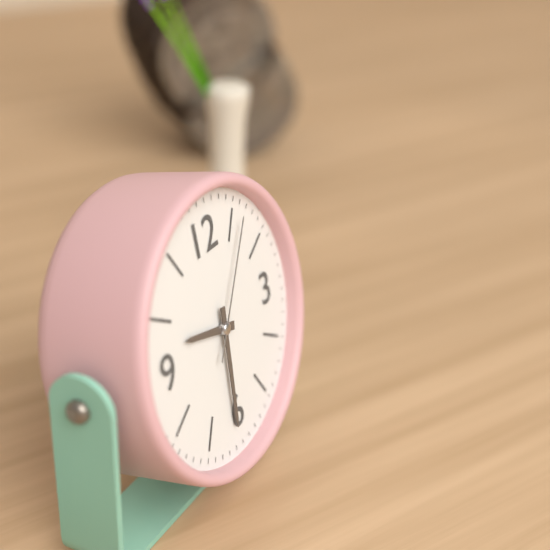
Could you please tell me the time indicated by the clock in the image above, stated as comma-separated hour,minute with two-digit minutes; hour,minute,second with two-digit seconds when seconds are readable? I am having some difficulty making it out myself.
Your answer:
9,31,06
